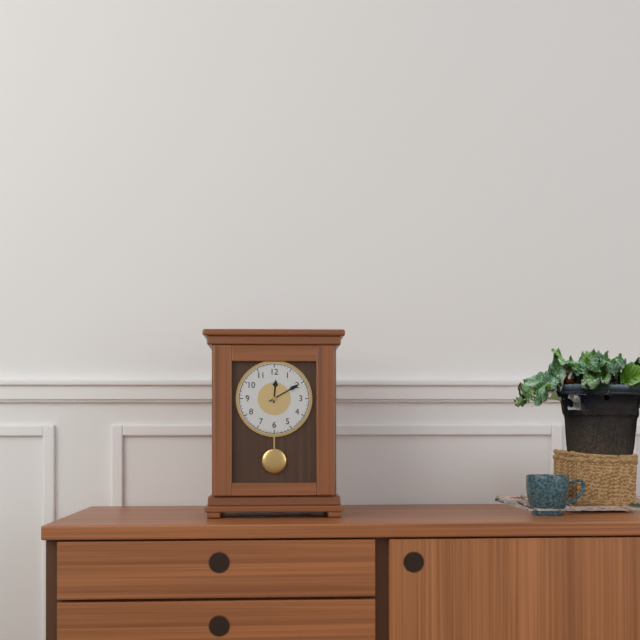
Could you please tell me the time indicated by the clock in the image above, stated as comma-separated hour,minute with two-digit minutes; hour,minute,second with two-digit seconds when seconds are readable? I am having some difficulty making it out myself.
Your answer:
12,10
